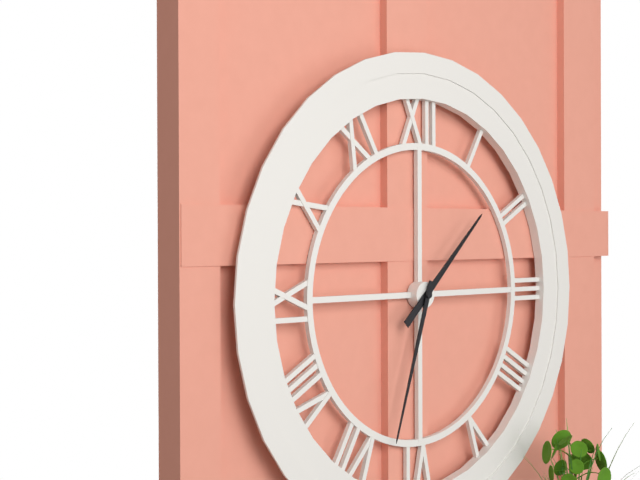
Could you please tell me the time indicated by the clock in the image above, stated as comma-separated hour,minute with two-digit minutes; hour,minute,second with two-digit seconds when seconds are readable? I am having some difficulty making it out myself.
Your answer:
1,33
